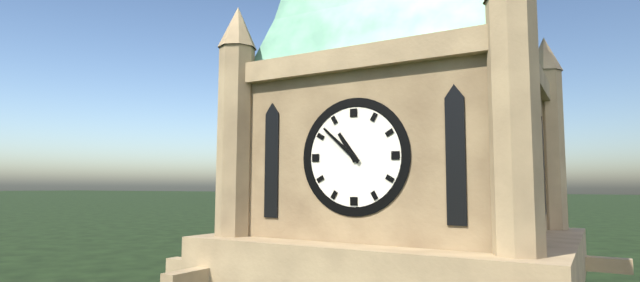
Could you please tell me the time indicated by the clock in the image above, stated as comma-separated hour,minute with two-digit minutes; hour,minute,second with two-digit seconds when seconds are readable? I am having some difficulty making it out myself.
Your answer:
10,52
